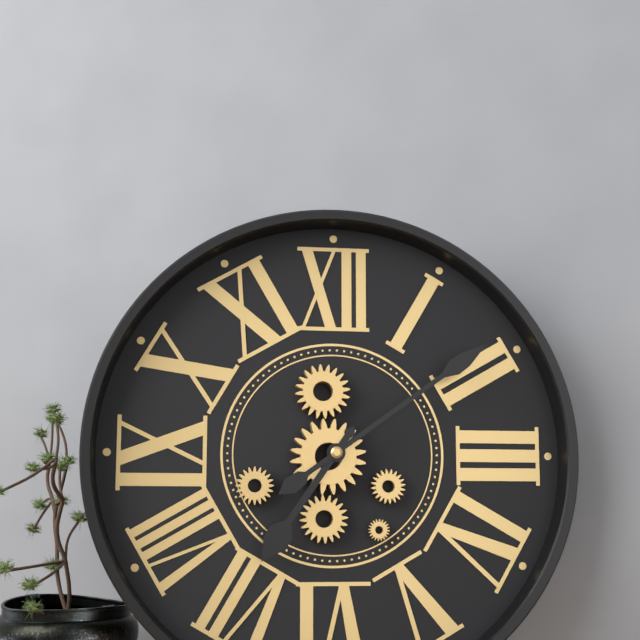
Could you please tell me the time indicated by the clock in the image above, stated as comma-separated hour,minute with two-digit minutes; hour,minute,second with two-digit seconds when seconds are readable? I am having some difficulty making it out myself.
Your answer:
7,09
